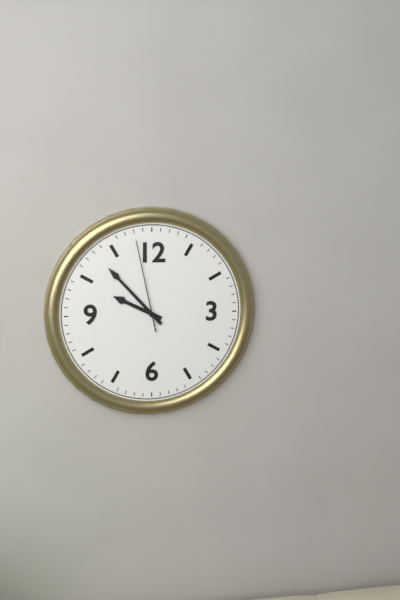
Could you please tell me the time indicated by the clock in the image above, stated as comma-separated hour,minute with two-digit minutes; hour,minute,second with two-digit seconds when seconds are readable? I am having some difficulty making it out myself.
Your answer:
9,53,58
